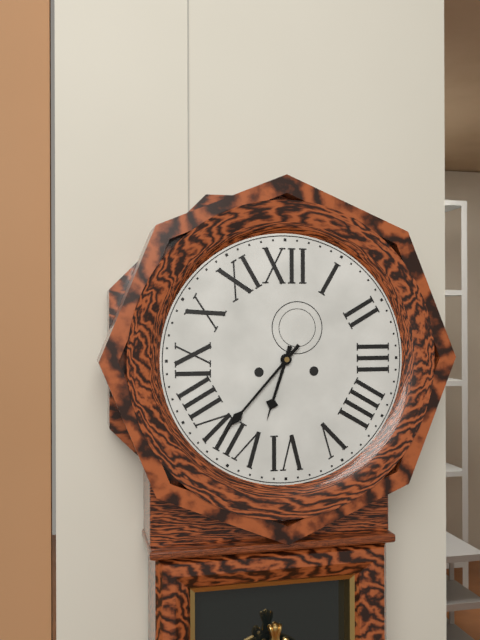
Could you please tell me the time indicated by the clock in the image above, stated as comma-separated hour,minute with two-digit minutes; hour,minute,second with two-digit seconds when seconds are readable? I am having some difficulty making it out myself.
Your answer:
6,37
